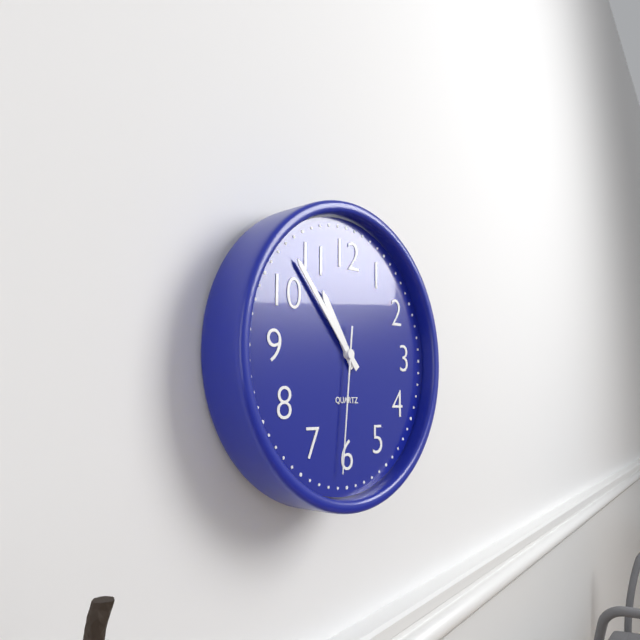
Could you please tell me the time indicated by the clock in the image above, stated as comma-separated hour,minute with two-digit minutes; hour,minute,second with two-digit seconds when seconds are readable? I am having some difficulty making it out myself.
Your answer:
10,53,31
